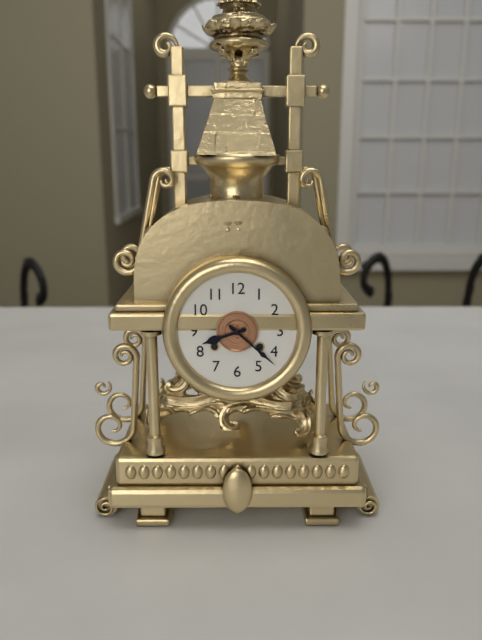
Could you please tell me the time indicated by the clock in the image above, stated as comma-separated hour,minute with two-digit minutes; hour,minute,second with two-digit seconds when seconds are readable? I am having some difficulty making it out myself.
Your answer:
8,22
